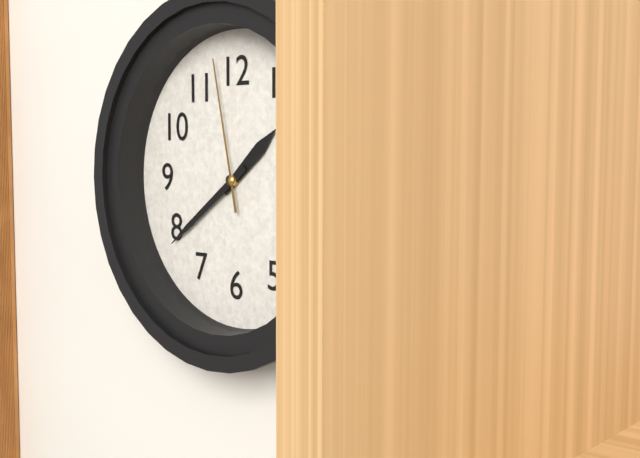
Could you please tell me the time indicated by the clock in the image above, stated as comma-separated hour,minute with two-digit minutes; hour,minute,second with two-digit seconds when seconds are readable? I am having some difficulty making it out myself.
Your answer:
1,39,58
